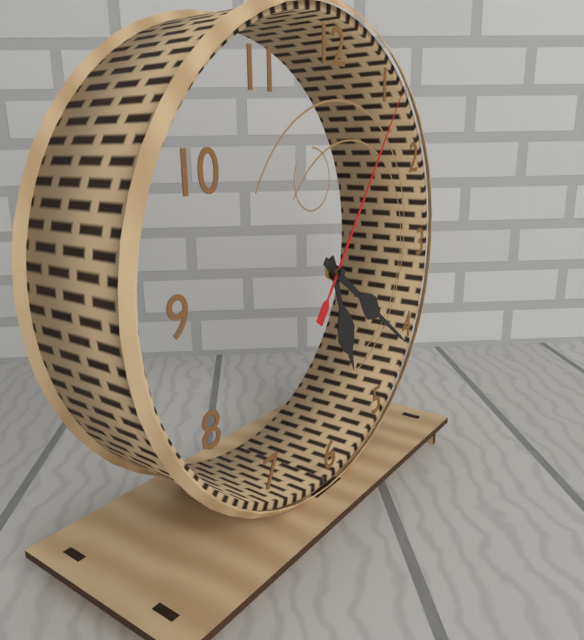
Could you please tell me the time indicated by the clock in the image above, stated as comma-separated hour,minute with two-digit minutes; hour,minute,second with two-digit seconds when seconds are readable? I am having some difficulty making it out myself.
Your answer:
5,21,06
